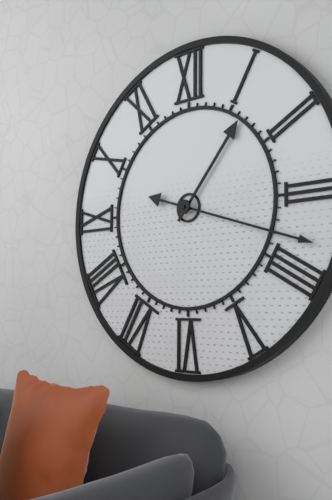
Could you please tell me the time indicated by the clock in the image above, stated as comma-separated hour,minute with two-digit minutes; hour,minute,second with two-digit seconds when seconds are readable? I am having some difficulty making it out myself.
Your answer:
1,18
